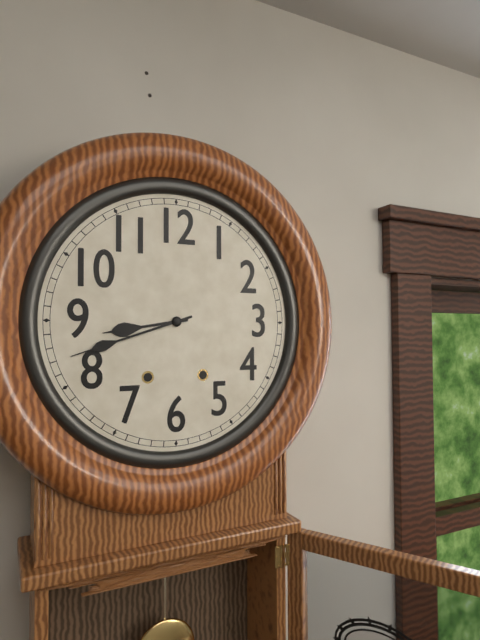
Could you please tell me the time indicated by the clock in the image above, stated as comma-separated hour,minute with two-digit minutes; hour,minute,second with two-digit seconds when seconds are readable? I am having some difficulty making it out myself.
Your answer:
8,42
